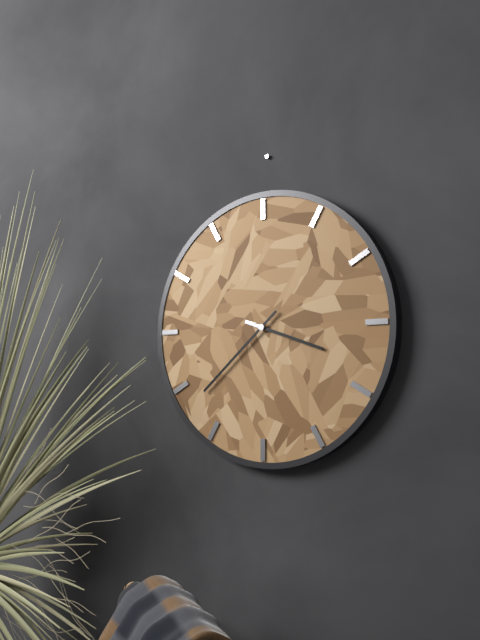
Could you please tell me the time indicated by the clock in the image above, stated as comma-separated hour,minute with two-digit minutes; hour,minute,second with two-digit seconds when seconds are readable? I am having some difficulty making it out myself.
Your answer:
3,38
